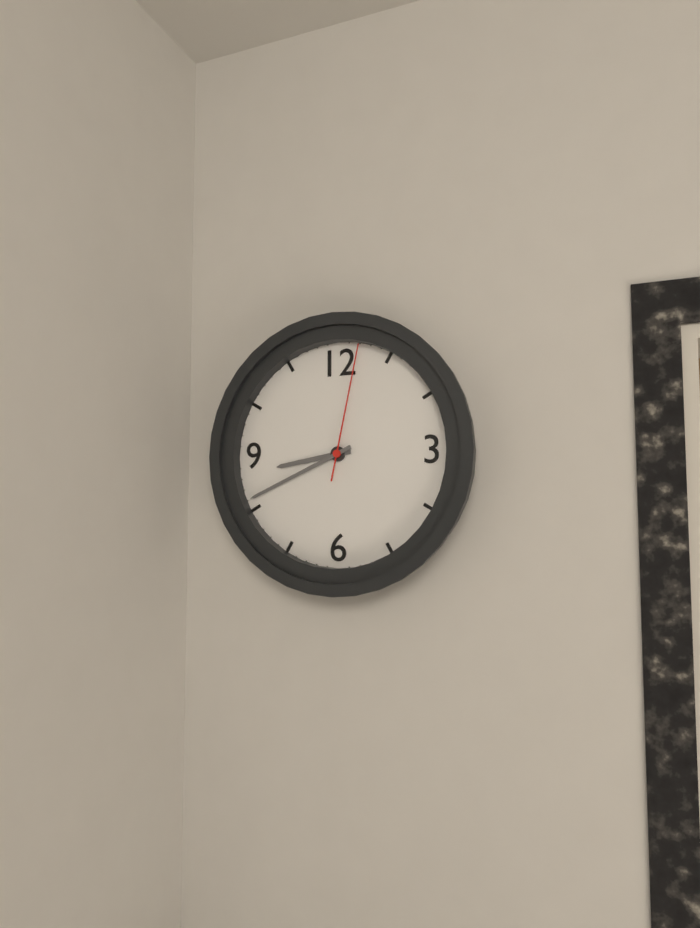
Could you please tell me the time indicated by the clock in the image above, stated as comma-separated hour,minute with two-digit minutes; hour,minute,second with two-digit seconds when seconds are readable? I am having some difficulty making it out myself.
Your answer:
8,41,02
